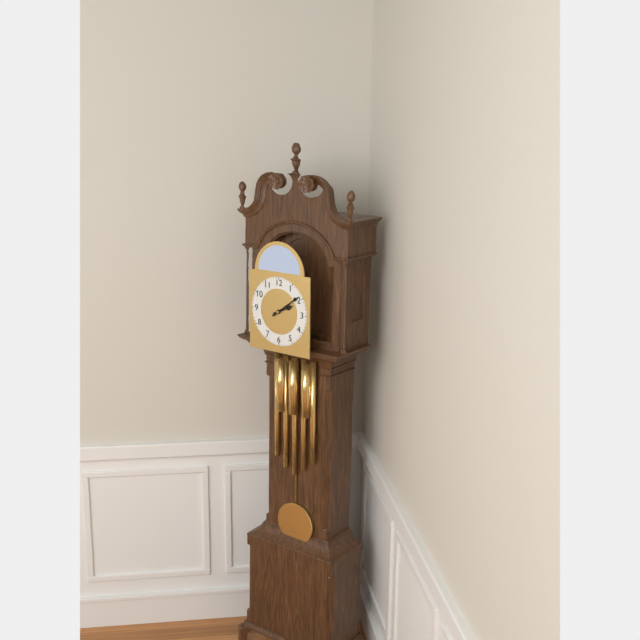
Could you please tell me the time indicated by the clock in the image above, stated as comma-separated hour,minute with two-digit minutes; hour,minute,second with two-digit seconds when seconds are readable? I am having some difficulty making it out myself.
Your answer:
2,09
